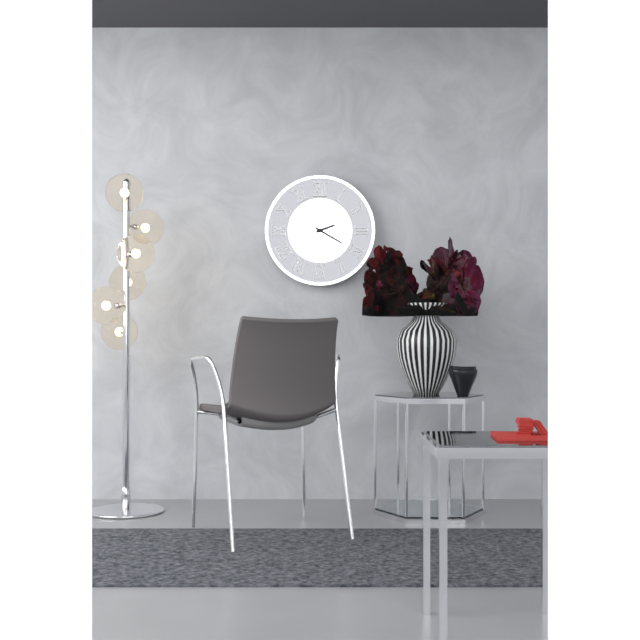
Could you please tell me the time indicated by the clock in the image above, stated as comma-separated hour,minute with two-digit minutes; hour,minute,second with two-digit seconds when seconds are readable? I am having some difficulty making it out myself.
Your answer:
2,20
